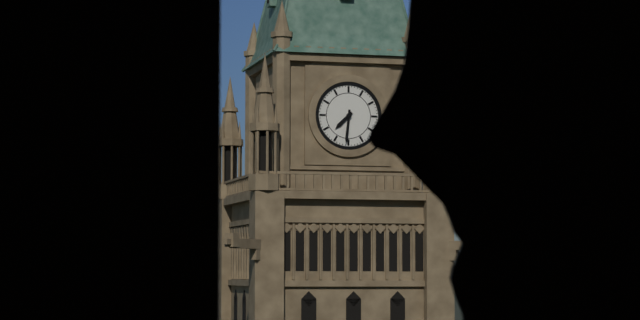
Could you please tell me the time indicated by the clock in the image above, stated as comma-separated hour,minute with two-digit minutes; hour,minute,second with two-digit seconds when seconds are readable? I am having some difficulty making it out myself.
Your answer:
7,31
